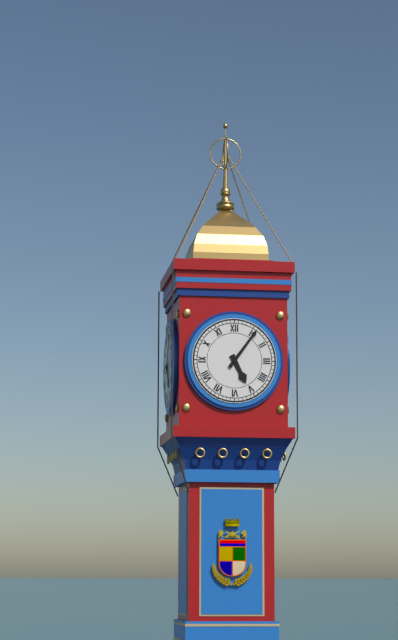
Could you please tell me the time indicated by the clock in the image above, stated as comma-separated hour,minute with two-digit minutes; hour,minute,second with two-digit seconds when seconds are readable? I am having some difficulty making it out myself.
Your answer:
5,06
